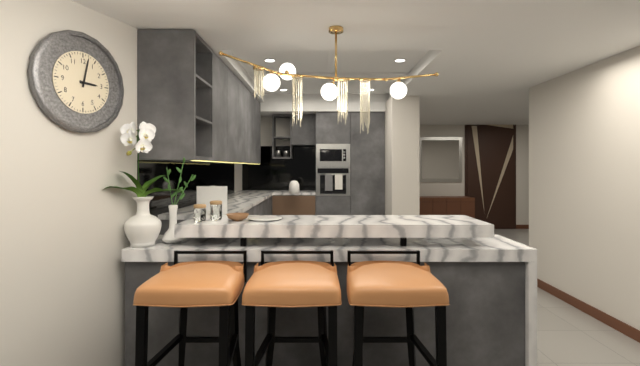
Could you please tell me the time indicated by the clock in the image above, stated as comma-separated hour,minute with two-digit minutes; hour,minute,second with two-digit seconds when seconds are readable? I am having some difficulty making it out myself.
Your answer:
3,02
